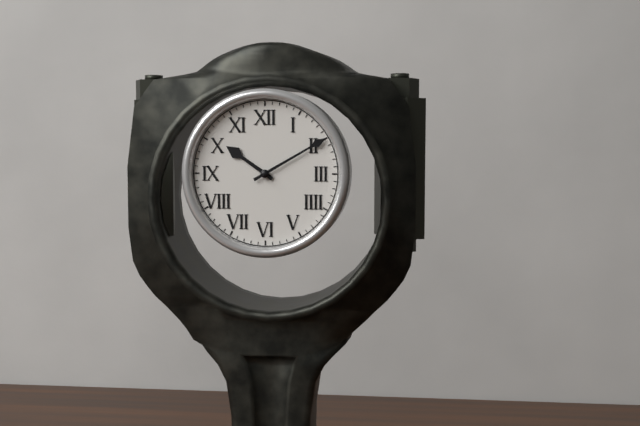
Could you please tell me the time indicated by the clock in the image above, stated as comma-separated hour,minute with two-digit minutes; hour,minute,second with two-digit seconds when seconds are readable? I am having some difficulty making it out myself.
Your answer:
10,10
